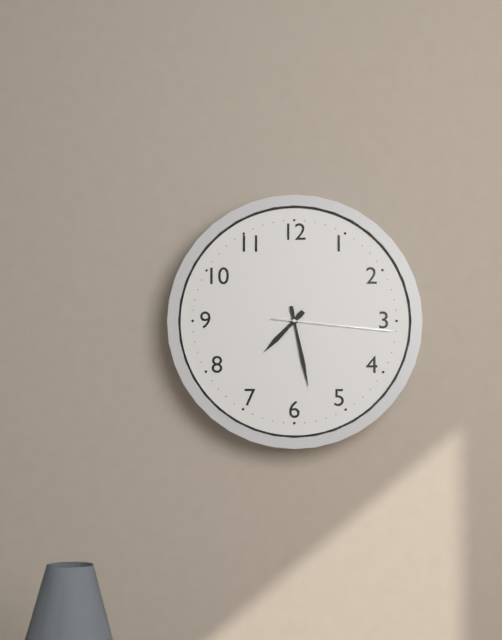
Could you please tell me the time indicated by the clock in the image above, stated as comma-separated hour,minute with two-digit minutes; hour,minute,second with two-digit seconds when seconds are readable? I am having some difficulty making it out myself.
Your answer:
7,28,16
